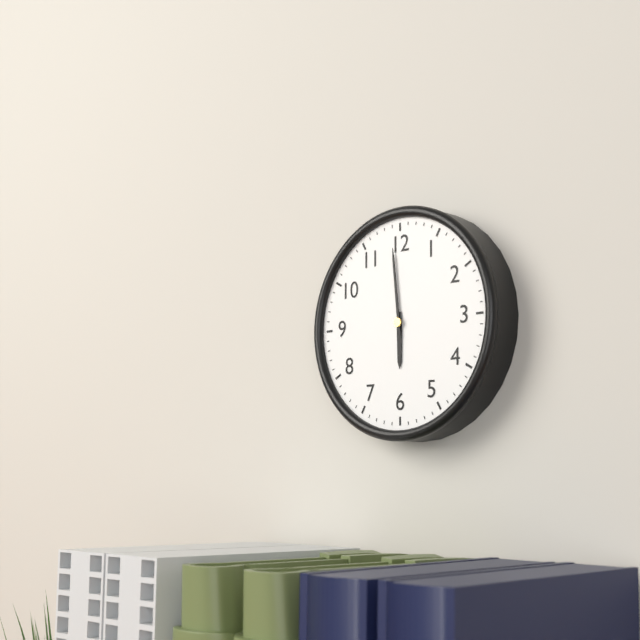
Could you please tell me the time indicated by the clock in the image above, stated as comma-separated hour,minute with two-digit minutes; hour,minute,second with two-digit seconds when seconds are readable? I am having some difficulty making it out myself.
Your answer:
5,59
